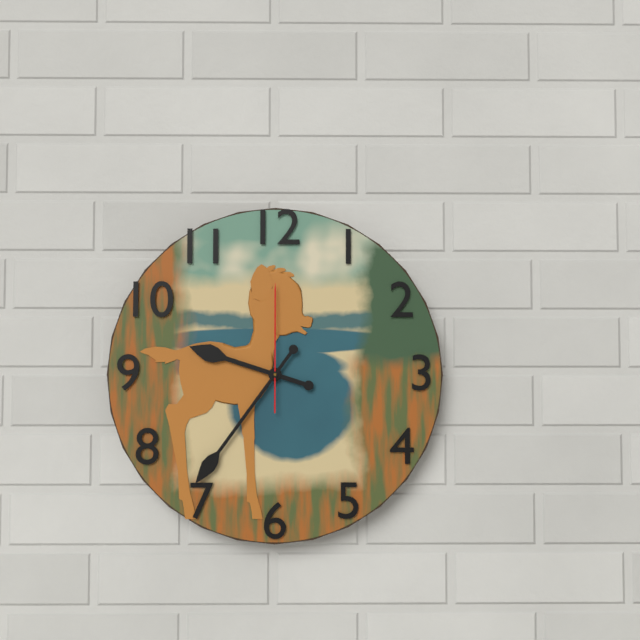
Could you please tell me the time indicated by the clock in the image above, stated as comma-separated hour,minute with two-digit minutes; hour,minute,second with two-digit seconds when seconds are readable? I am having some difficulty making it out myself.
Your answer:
9,36,00
